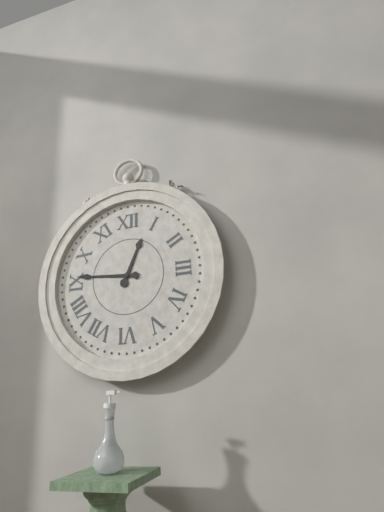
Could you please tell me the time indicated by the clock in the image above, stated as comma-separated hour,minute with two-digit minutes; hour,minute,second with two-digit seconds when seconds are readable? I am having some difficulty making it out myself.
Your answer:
12,46
